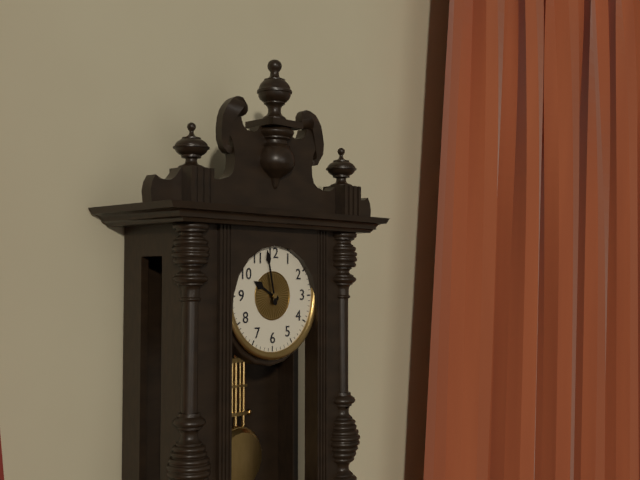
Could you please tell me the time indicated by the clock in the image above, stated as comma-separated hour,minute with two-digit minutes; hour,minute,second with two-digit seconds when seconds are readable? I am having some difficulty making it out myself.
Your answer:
9,58
